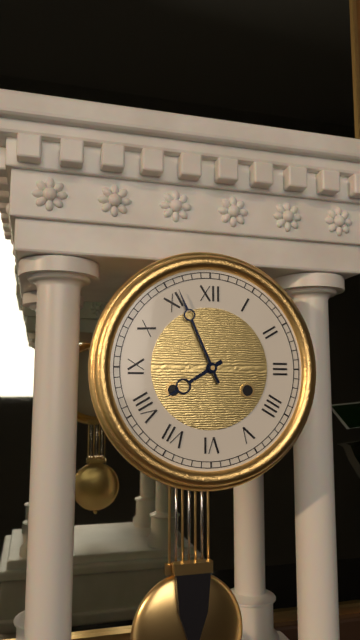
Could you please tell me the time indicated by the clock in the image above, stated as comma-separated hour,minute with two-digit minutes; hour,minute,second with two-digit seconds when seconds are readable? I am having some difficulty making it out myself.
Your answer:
7,56
